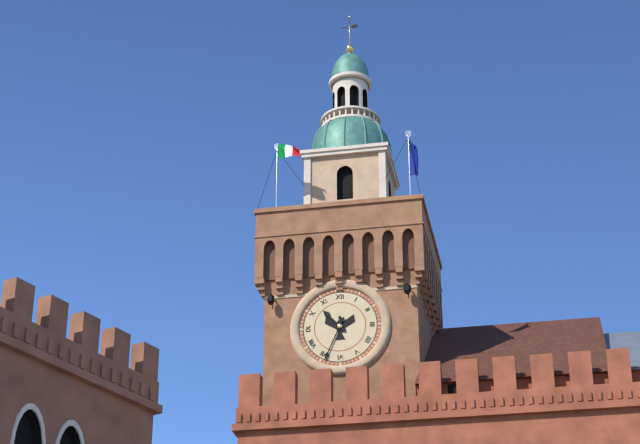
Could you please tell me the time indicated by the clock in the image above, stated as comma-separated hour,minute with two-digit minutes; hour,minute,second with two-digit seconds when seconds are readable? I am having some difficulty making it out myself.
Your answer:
10,34
